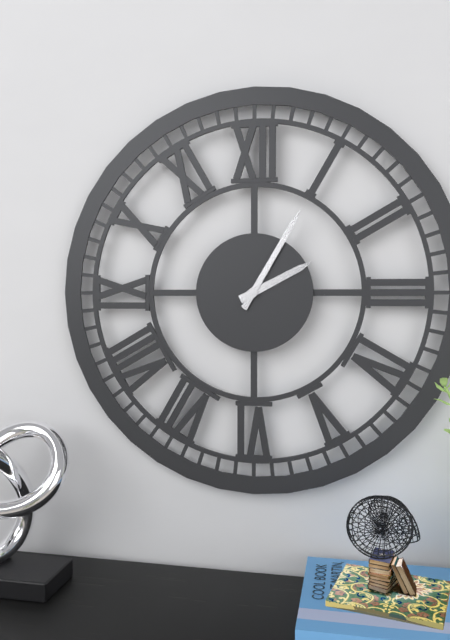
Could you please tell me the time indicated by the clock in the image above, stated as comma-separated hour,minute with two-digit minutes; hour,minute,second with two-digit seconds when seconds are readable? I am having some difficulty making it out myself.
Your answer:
2,05
